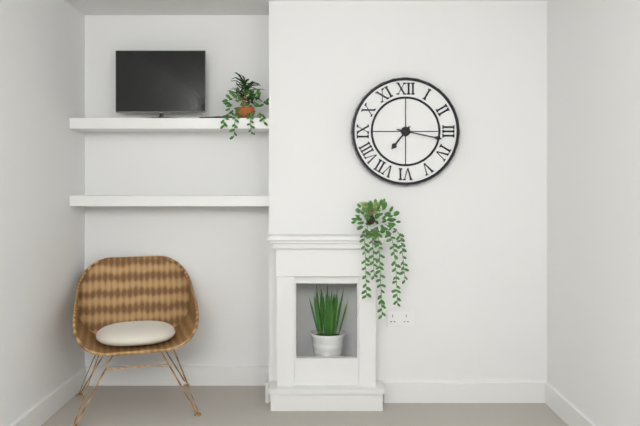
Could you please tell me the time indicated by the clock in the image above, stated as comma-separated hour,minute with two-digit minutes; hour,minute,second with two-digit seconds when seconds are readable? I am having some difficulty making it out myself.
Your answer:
7,17
